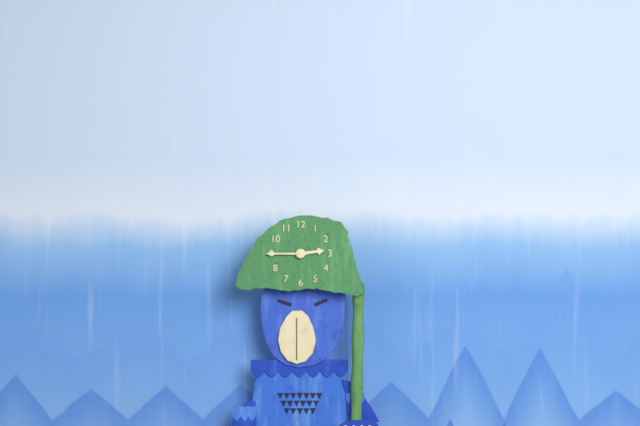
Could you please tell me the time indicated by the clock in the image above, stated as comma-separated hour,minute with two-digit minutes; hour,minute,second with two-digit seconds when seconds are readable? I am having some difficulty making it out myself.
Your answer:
2,45
